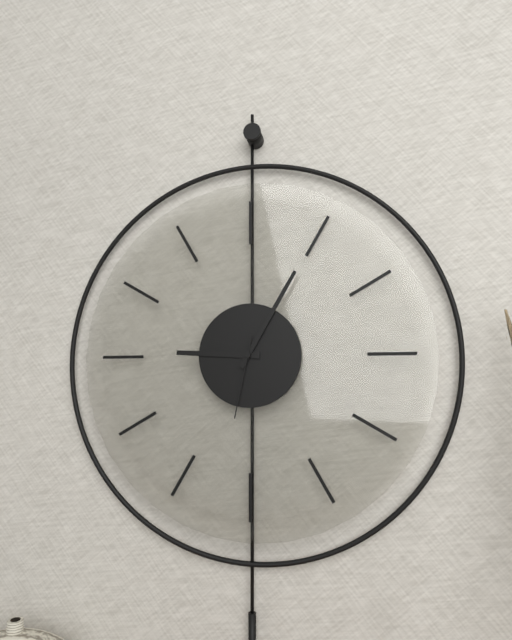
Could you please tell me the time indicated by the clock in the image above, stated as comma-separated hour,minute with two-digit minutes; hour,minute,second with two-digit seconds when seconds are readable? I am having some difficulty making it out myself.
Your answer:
9,05,32
